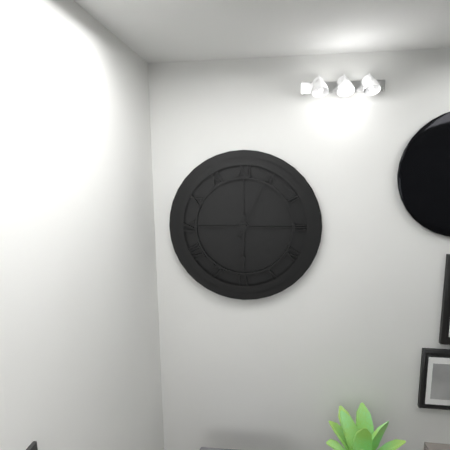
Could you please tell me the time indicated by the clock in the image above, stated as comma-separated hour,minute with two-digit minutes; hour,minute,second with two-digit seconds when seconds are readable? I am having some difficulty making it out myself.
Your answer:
6,04
